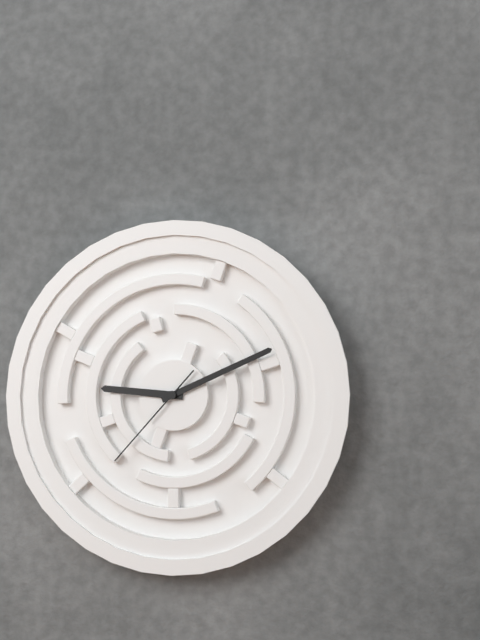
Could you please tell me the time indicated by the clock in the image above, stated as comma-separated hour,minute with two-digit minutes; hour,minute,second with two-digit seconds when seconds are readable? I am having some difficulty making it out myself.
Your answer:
9,11,37
